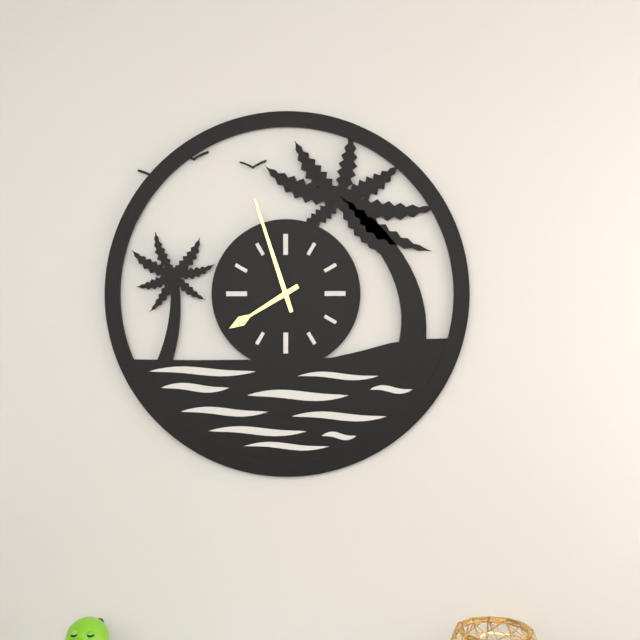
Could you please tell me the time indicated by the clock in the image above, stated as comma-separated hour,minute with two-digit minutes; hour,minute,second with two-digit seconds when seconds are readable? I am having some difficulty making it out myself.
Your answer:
7,57
